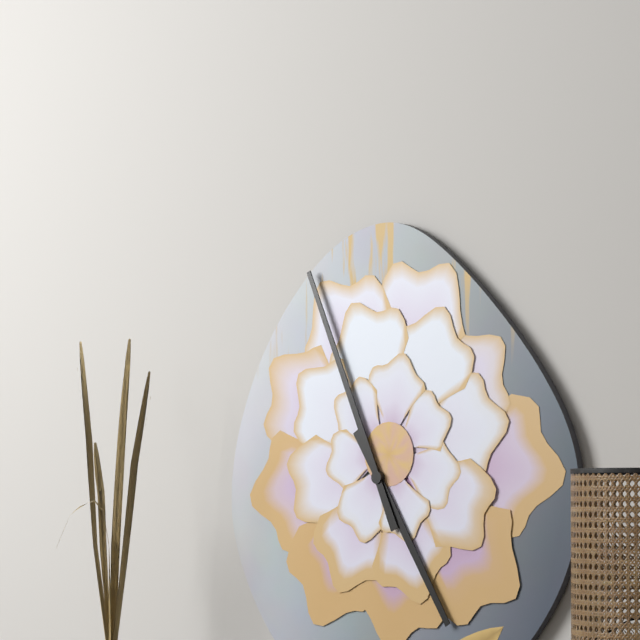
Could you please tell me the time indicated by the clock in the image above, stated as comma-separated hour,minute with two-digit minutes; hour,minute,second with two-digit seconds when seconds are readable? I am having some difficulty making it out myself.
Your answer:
4,56
